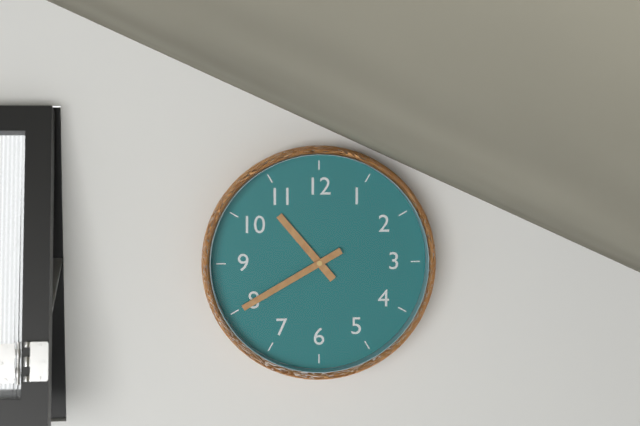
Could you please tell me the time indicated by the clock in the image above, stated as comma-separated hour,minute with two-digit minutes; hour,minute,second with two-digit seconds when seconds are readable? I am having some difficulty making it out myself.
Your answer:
10,40
